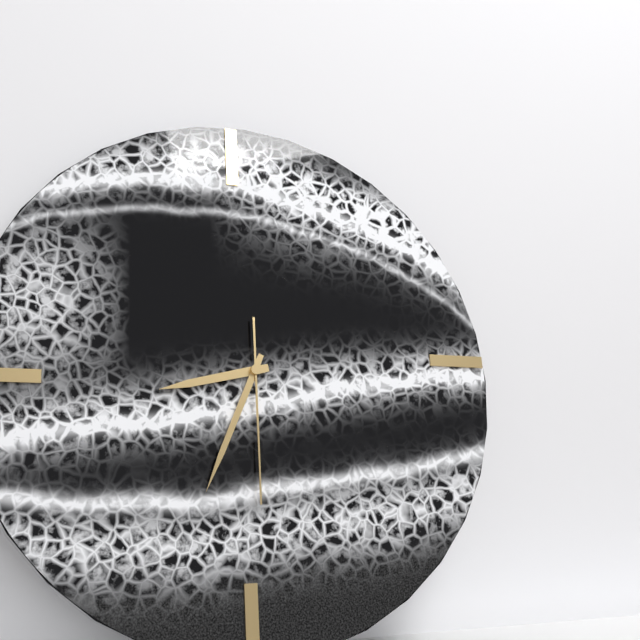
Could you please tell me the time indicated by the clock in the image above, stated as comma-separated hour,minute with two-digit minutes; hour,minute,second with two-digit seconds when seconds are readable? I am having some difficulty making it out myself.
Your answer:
8,34,30
